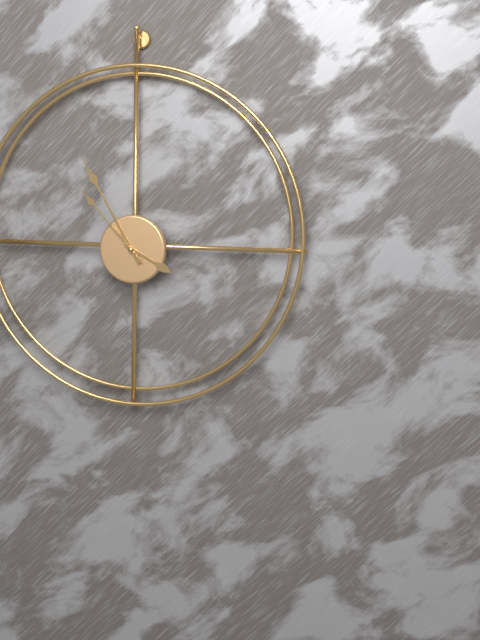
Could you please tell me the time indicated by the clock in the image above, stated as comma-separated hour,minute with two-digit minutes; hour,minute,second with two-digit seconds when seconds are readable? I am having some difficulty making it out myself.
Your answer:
3,55,53
